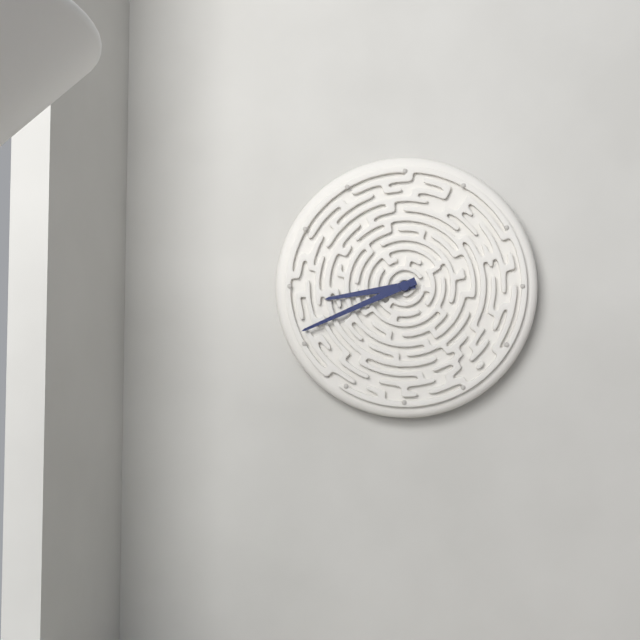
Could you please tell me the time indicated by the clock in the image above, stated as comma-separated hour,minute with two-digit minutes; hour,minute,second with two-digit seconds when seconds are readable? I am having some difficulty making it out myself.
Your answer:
8,41
